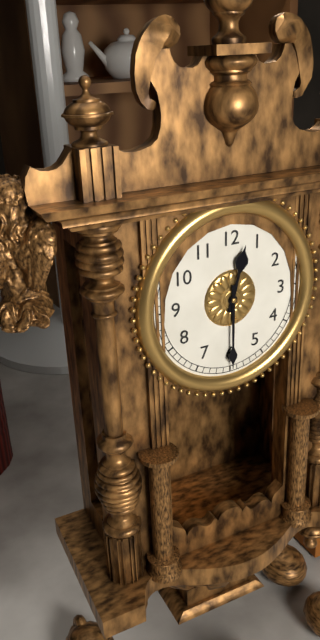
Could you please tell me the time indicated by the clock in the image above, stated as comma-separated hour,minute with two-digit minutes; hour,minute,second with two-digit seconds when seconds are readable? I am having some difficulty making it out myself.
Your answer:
12,30
